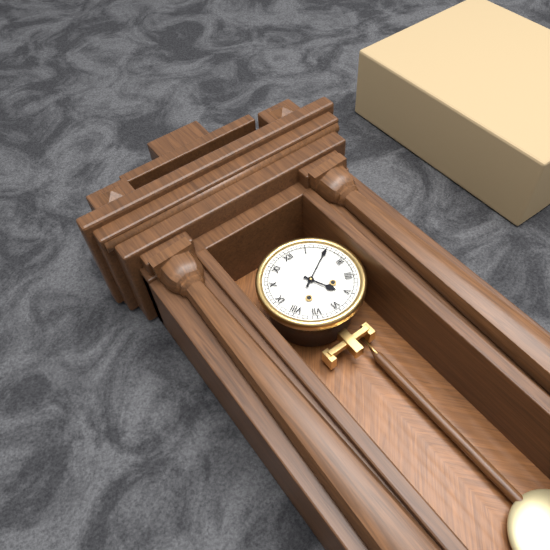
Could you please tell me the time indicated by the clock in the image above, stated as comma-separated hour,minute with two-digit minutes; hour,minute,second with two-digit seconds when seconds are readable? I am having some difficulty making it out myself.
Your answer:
5,10
